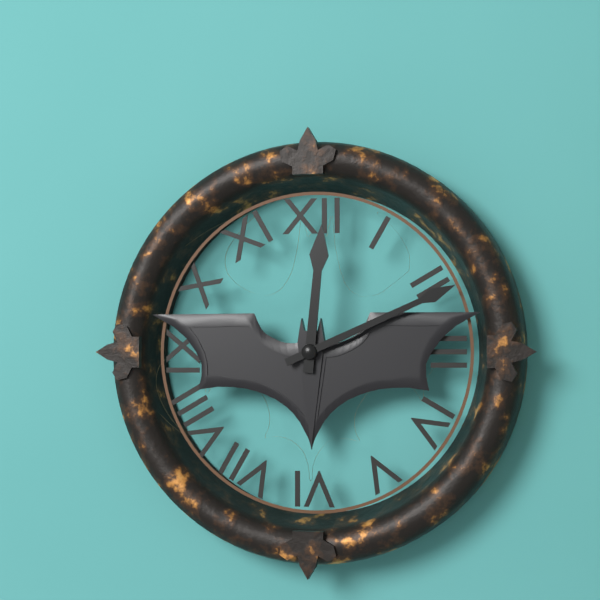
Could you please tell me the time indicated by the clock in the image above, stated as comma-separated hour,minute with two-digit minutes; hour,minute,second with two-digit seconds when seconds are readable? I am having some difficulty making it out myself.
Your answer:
12,11
